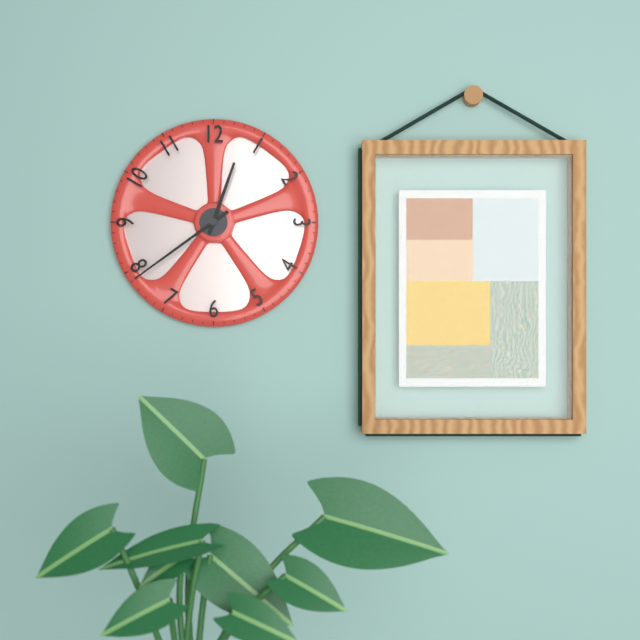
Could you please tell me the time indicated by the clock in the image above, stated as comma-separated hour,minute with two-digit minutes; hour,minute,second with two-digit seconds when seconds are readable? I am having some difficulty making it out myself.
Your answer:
12,39
